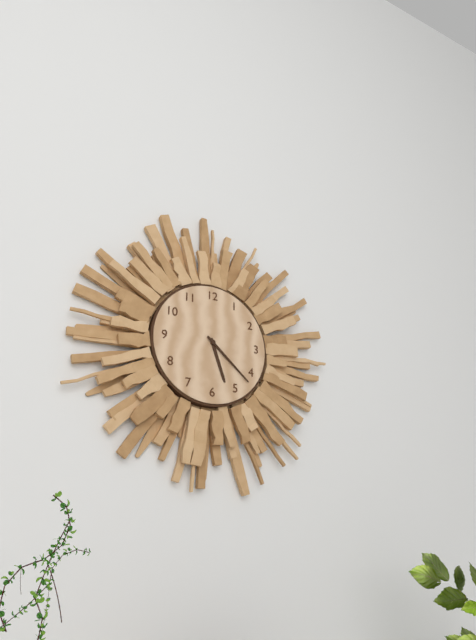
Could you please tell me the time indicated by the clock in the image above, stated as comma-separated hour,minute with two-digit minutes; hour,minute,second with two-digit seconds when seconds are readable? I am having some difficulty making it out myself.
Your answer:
5,22
